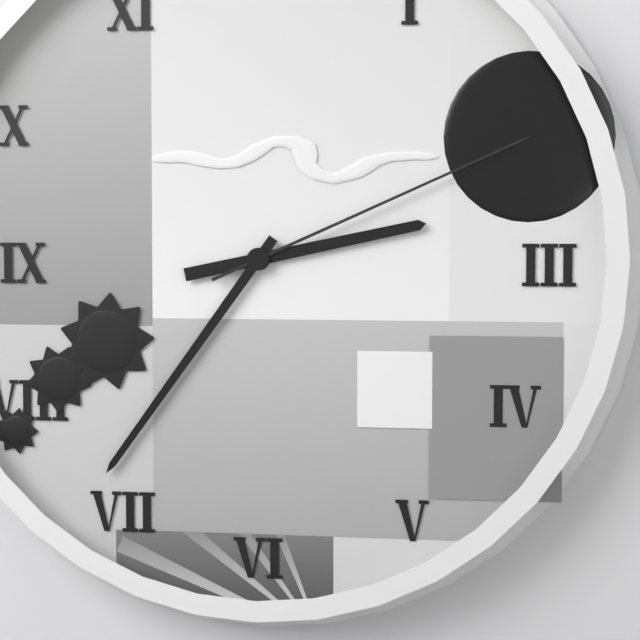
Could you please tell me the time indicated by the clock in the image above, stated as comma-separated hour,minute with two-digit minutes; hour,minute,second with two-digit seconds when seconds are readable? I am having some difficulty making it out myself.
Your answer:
2,36,11
